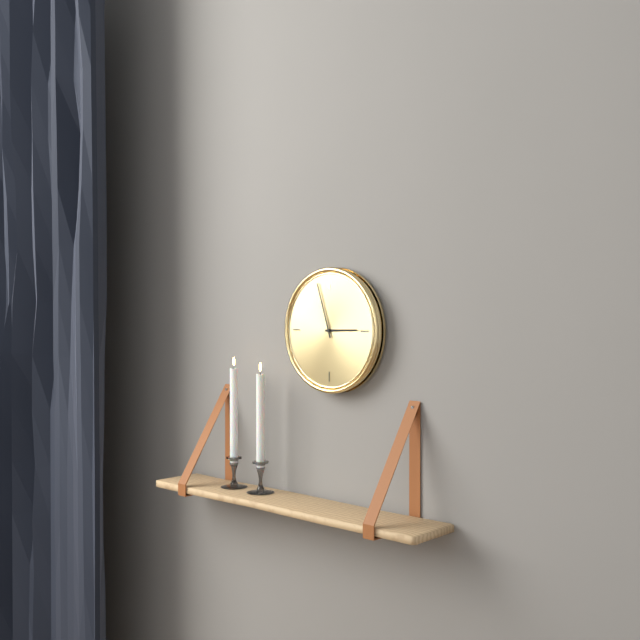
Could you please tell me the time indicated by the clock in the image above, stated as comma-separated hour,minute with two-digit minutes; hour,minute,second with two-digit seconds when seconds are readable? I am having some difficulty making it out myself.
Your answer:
2,57
